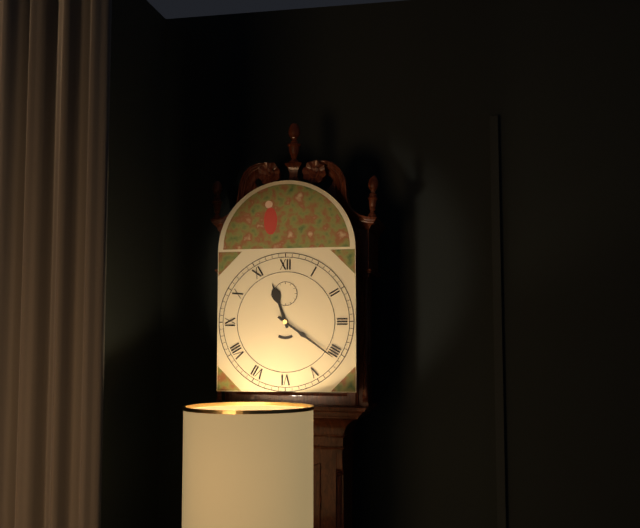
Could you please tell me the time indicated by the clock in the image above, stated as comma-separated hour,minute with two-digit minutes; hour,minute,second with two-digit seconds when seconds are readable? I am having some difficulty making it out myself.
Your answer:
11,21
